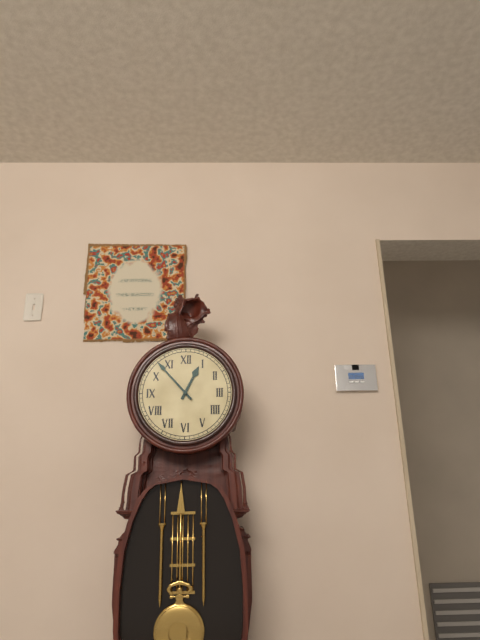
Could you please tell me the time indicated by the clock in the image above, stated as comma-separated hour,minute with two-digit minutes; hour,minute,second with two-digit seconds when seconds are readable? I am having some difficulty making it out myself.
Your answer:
12,53
